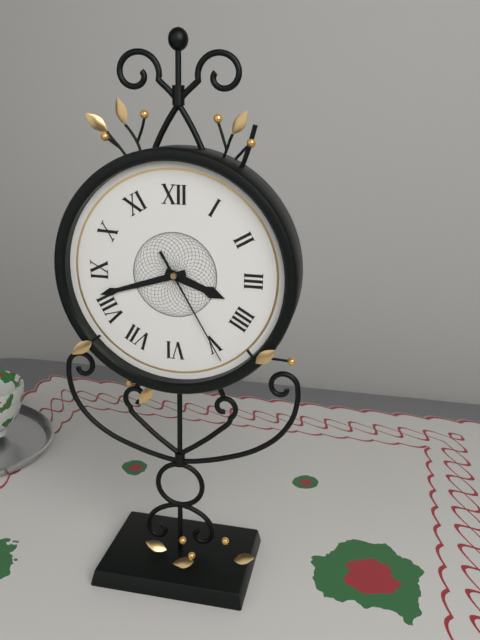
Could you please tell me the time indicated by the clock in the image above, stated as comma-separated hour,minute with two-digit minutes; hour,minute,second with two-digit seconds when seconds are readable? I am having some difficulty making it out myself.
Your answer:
3,42,25
